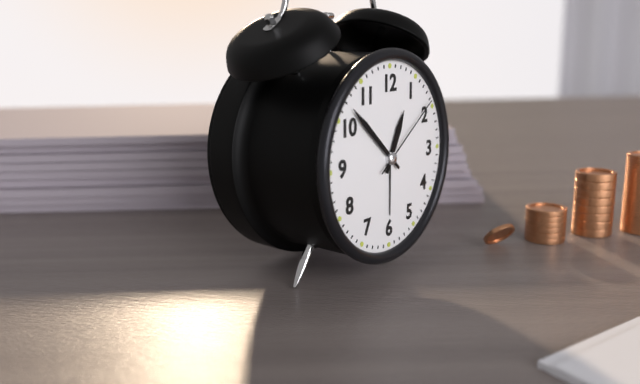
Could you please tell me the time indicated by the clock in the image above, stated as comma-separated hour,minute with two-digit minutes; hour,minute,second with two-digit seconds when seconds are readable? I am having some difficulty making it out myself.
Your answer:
12,52,09
